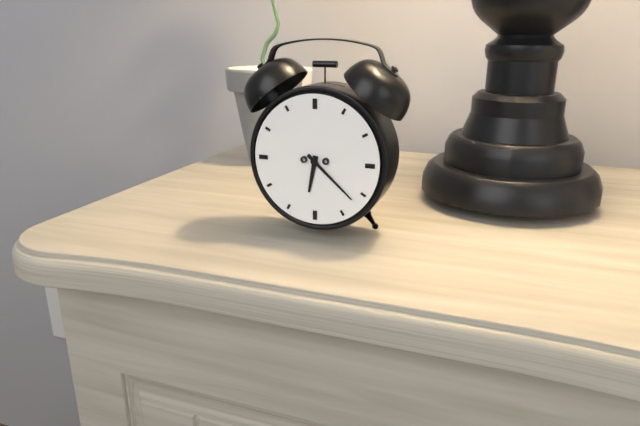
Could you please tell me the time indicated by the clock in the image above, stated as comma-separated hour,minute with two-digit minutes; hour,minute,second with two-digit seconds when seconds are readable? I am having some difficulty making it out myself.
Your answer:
6,22
